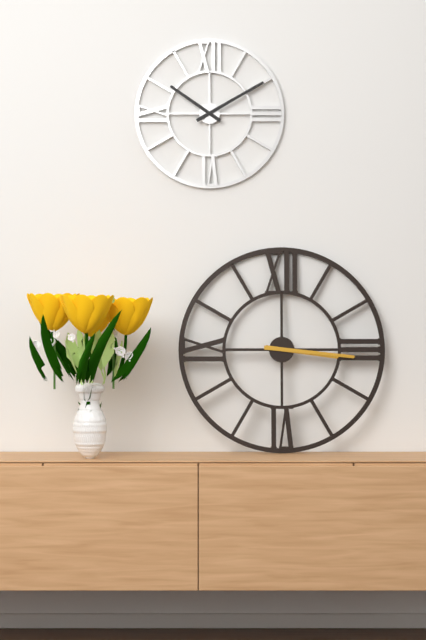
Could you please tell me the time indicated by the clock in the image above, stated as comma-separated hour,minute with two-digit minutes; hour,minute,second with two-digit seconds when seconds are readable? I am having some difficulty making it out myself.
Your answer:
3,16
